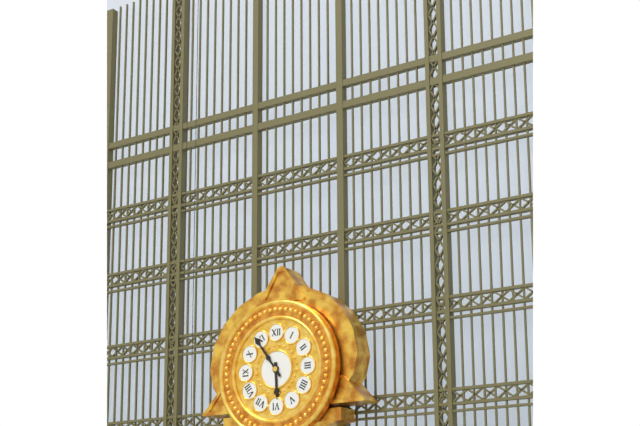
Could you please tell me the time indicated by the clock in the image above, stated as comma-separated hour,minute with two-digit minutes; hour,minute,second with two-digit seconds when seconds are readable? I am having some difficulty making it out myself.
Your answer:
5,54
